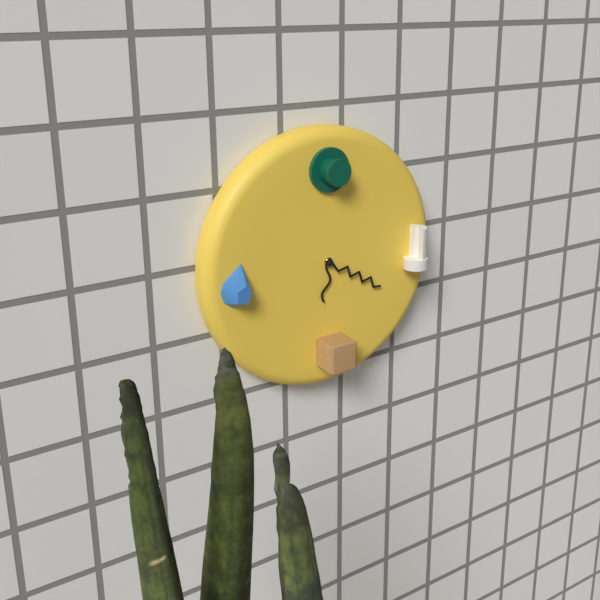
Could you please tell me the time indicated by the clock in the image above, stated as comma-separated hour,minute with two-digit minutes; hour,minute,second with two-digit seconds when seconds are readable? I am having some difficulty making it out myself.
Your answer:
6,20
